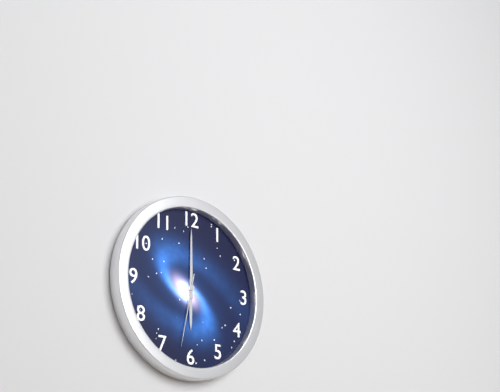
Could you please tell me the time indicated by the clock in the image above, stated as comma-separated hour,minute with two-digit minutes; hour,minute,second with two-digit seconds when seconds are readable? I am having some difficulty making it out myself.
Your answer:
6,00,32
